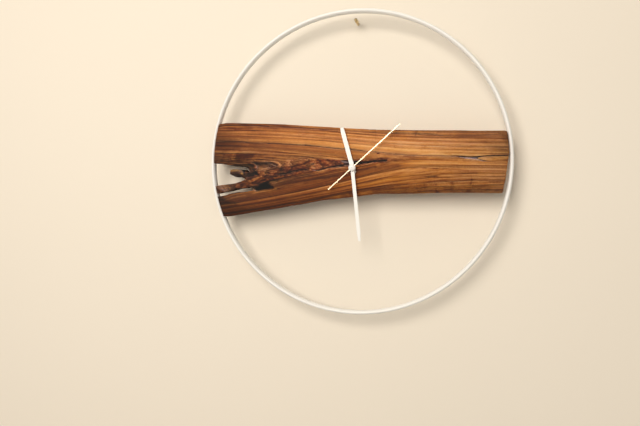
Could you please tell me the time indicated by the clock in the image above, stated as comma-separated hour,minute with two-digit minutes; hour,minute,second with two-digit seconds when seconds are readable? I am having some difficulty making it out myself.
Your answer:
11,29,08
